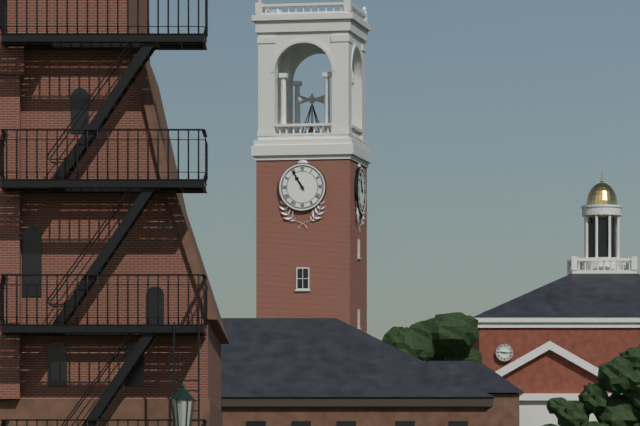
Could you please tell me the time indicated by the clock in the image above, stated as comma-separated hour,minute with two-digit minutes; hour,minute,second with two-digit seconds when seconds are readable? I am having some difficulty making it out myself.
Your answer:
10,55
